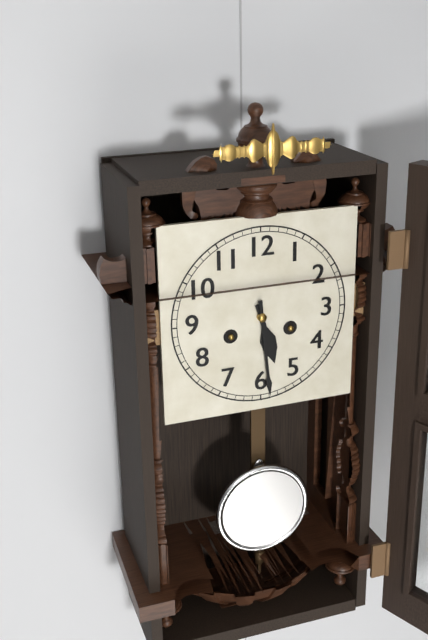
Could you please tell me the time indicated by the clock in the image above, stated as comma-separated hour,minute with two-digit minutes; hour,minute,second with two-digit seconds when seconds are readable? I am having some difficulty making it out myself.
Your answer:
5,29
